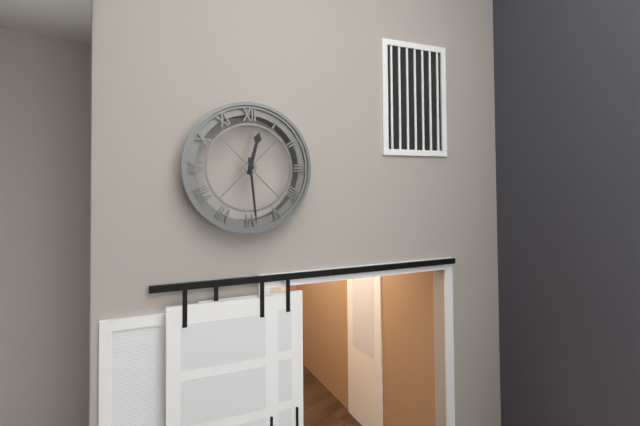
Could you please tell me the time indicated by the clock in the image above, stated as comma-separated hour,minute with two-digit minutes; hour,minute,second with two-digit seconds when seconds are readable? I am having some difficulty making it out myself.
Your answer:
12,29
